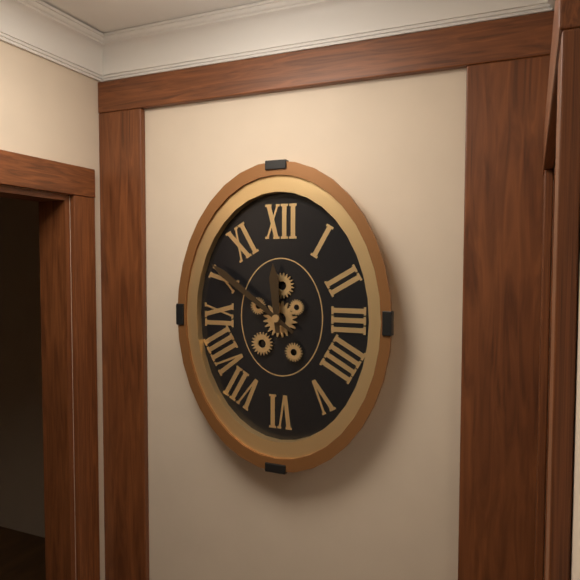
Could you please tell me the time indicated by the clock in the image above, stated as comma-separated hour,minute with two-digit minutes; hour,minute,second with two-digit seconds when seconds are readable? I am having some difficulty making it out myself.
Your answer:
11,51
